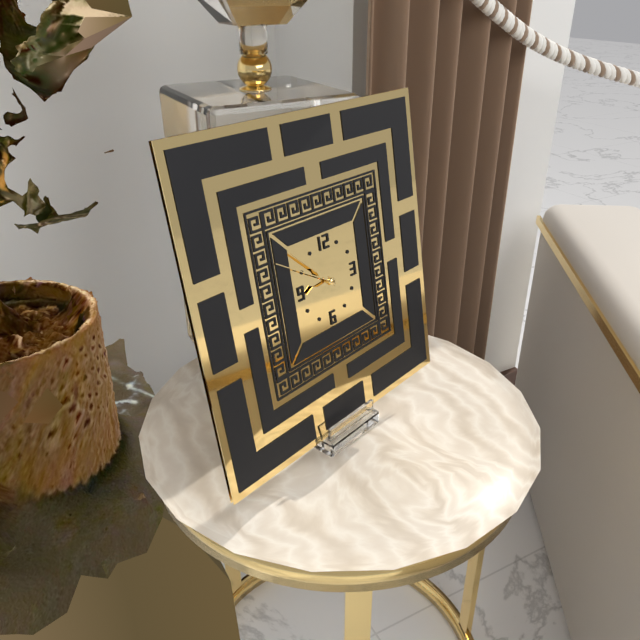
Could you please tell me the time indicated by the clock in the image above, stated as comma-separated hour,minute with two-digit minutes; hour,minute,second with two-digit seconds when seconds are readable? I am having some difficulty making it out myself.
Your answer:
8,52,50
